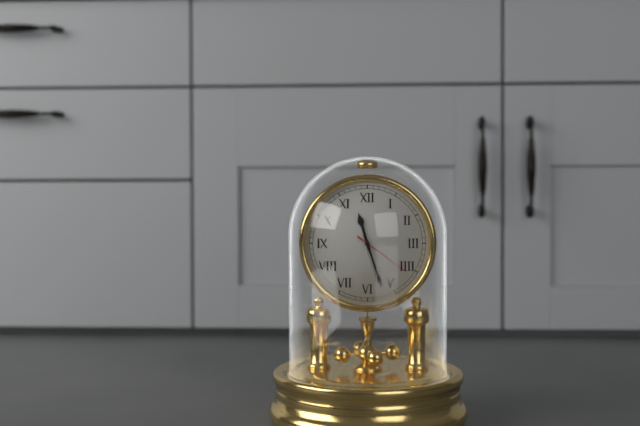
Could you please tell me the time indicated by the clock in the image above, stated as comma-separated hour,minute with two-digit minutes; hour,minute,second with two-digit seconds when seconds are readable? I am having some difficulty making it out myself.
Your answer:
11,27,21
